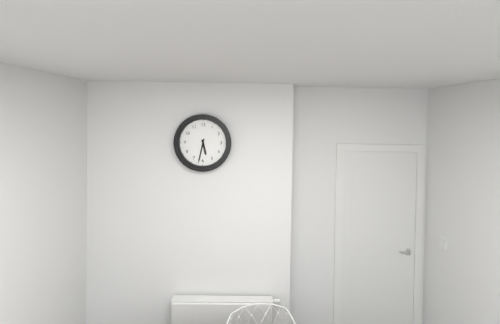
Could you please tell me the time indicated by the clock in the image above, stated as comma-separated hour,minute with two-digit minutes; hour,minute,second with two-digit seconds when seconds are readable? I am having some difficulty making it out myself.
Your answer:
5,32
